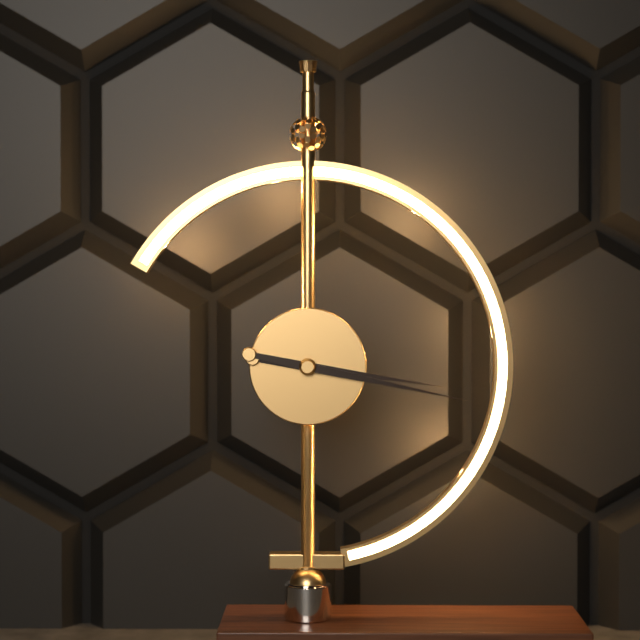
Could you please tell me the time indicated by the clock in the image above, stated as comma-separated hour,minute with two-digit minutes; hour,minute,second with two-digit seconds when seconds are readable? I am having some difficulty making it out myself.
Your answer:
3,17
